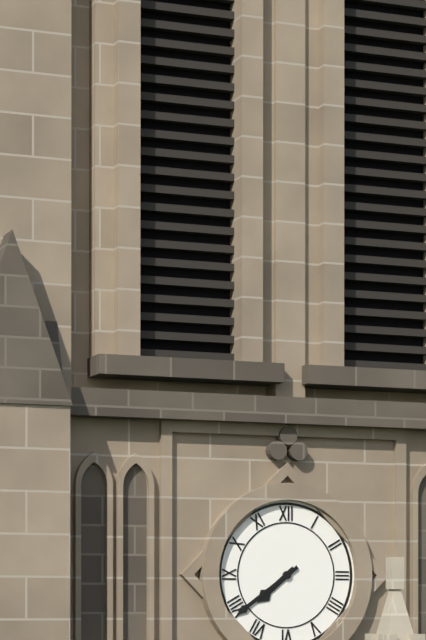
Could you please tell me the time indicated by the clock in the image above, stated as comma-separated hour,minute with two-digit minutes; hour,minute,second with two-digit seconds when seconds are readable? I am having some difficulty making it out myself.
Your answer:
7,39
